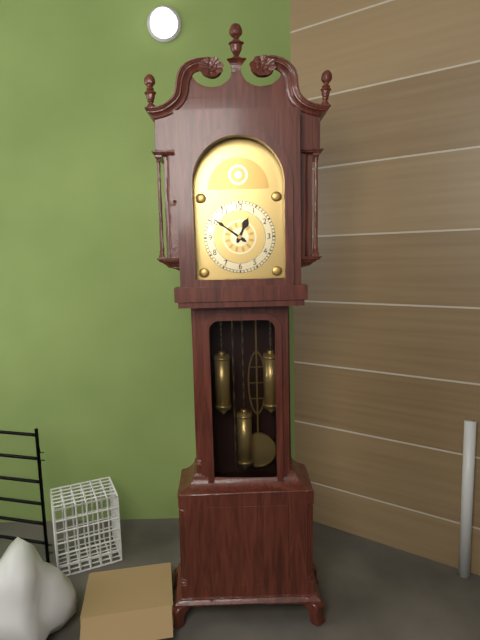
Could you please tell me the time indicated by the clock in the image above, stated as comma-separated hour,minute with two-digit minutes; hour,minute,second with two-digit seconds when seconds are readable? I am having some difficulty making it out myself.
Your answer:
12,51
